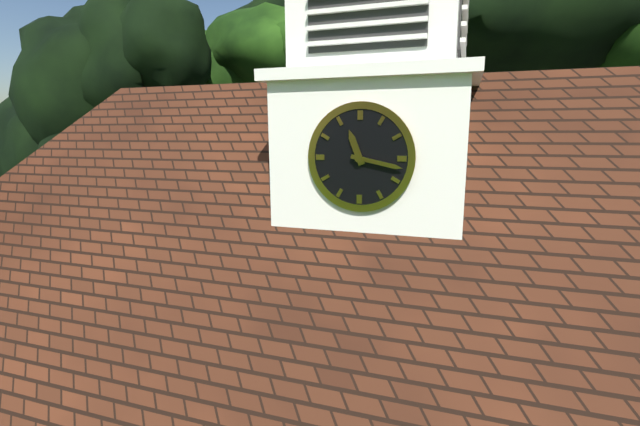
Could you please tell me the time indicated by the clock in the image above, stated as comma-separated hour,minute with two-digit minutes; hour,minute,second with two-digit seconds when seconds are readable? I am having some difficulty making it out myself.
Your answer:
11,17
